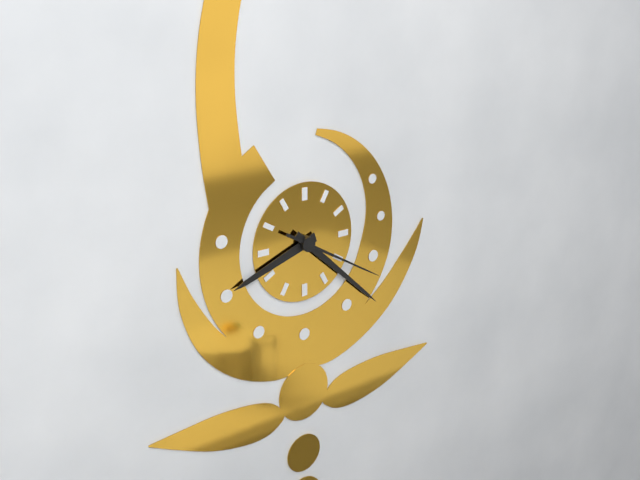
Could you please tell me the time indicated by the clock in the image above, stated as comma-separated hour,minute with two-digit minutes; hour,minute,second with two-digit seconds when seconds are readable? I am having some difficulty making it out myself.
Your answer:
8,22,20
